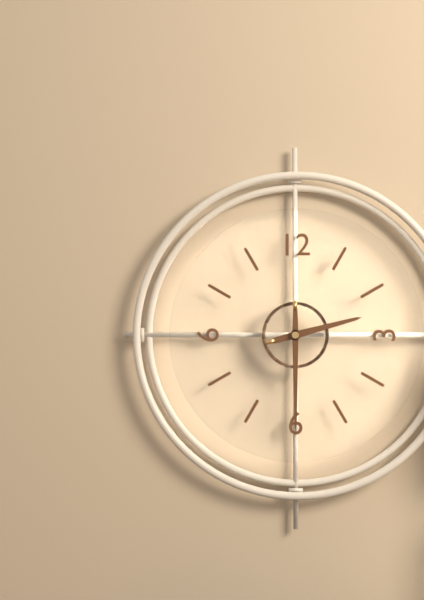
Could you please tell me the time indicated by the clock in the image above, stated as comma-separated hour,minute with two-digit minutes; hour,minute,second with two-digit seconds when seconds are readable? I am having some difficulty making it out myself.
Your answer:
2,30
